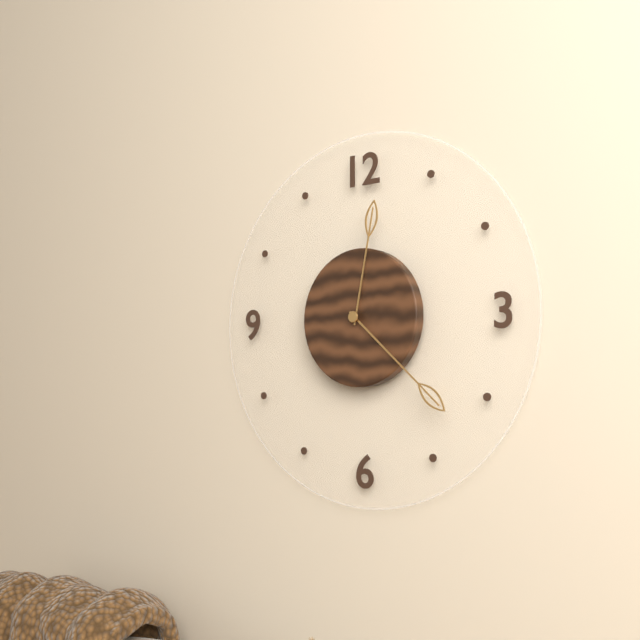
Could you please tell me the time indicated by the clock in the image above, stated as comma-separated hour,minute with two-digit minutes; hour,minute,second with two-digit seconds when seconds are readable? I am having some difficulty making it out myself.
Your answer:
12,22
